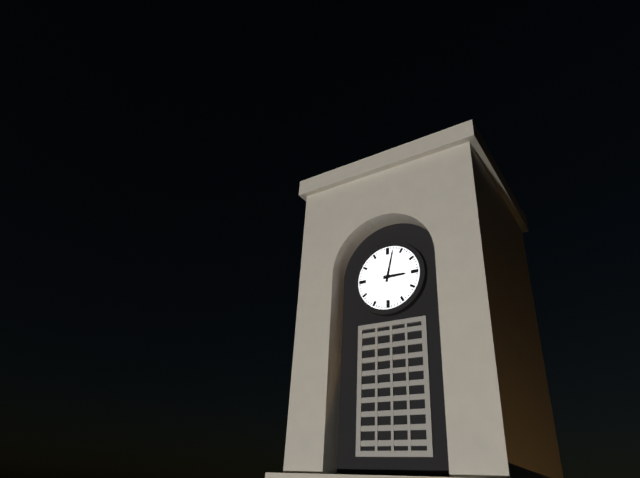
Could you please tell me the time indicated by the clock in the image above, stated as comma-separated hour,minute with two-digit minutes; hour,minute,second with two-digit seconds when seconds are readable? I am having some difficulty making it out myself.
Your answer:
3,02
